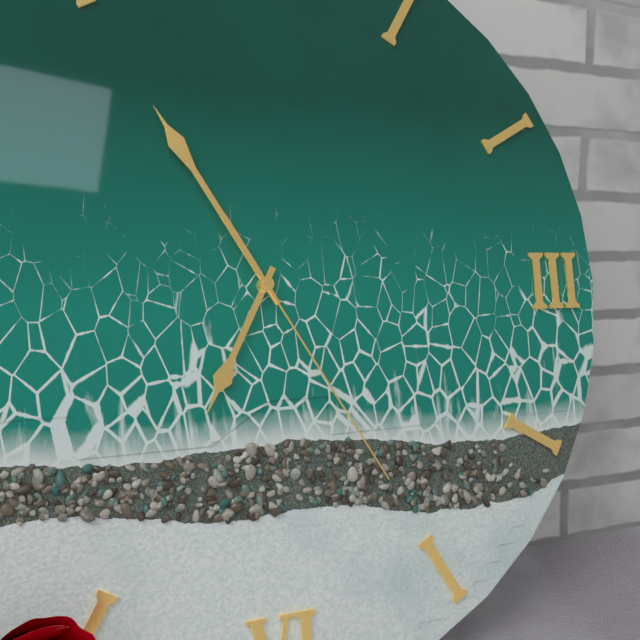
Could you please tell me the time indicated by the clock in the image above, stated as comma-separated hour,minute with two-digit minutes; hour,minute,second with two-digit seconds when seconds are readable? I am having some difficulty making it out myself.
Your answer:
6,55,25
